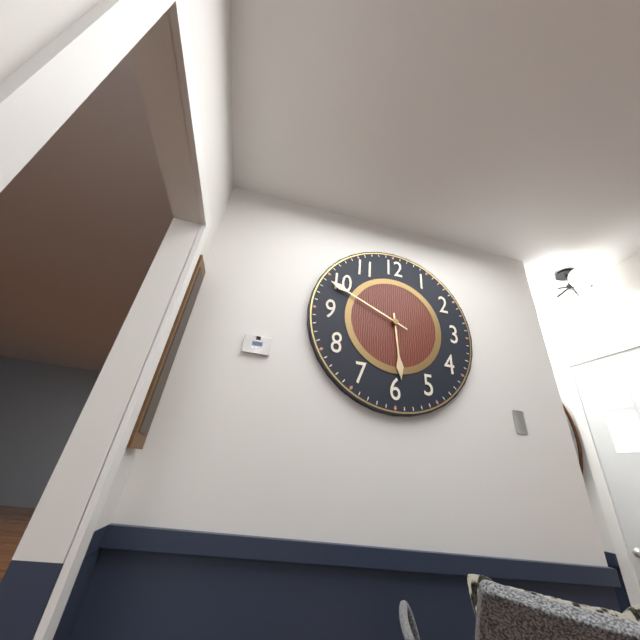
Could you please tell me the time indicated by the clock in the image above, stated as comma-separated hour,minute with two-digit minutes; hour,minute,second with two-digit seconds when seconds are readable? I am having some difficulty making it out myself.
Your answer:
5,49
